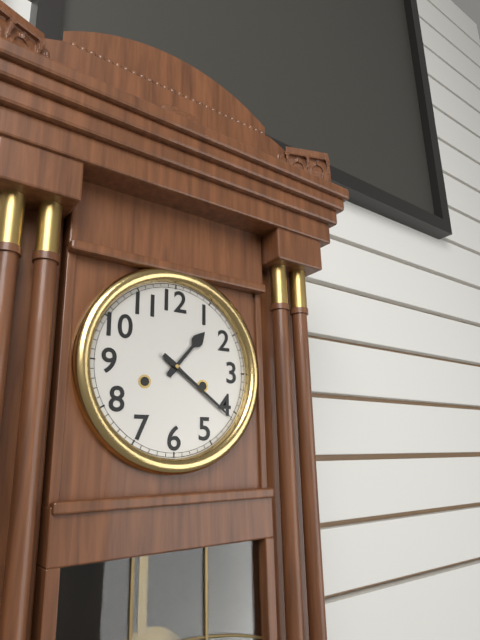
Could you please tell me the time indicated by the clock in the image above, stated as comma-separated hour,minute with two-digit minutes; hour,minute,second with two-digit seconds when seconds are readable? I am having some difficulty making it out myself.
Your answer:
1,21
